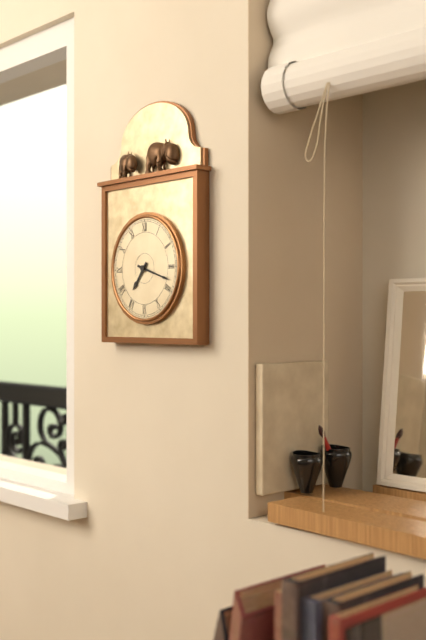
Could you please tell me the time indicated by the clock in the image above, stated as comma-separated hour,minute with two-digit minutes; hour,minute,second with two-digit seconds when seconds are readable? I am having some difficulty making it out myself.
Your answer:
7,18
